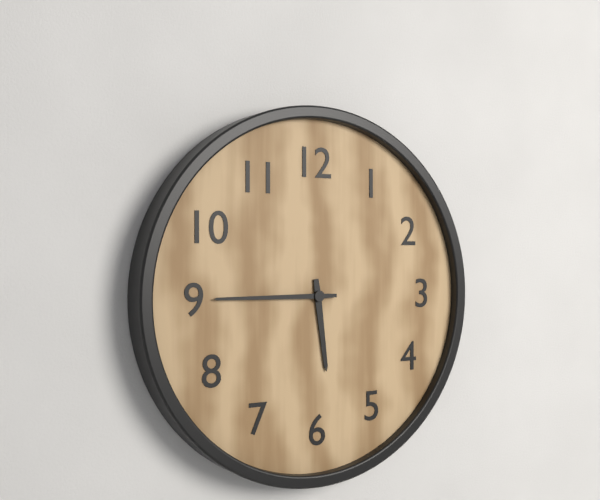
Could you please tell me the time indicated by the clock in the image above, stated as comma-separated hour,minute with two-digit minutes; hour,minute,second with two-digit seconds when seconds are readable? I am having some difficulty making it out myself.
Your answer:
5,45
